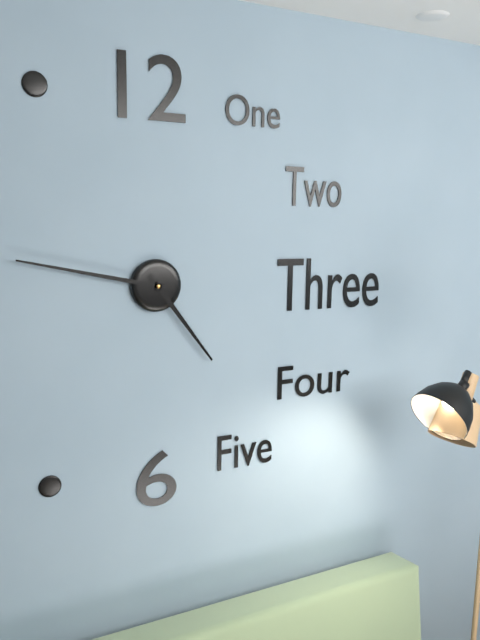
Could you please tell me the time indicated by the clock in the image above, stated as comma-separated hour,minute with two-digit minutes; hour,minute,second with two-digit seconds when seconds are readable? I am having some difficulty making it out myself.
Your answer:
4,47
